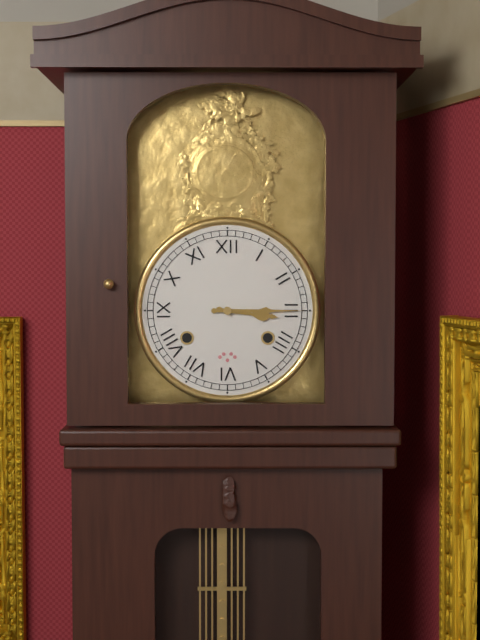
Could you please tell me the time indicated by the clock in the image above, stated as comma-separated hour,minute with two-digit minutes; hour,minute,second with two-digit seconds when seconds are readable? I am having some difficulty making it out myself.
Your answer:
3,15
